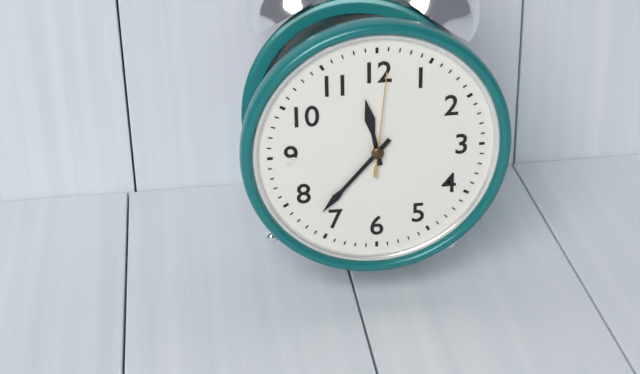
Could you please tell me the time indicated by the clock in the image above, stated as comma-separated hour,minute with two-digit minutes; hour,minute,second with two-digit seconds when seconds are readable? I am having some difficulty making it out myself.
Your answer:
11,37,01
